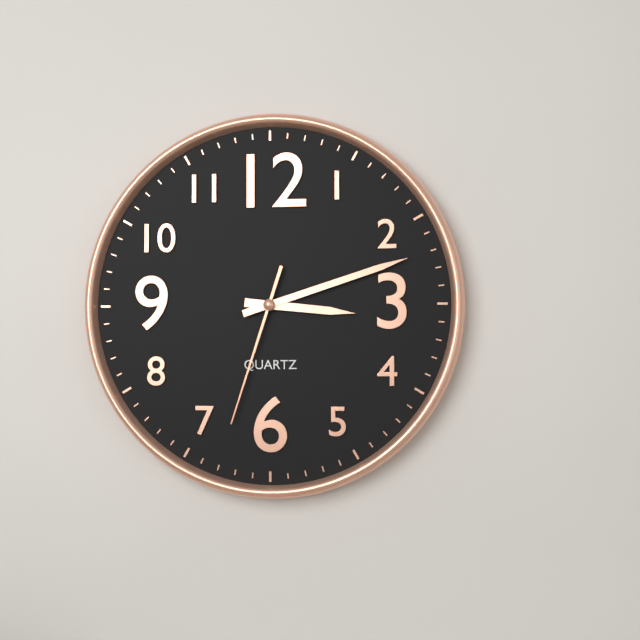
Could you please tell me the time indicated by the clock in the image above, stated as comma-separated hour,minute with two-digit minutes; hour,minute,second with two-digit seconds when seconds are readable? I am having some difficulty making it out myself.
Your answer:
3,12,33
